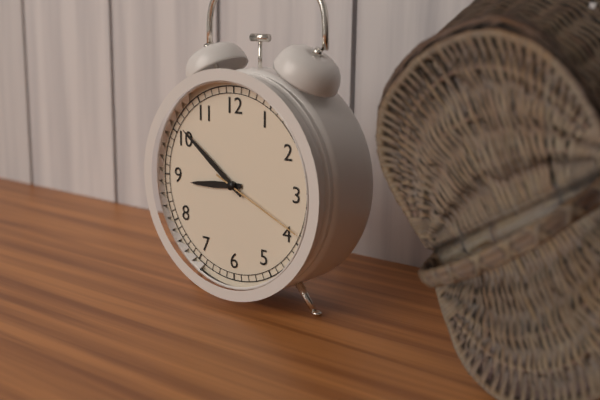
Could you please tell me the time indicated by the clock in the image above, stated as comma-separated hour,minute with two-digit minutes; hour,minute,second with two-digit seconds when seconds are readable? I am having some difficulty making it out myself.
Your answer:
8,51,19
